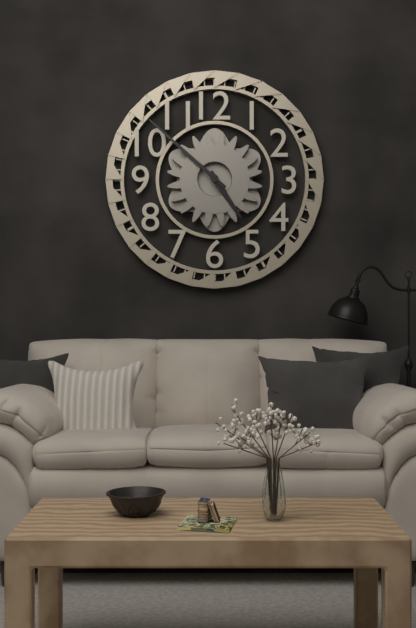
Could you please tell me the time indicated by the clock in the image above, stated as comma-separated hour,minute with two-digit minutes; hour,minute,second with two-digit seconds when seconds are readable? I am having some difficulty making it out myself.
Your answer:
4,52
